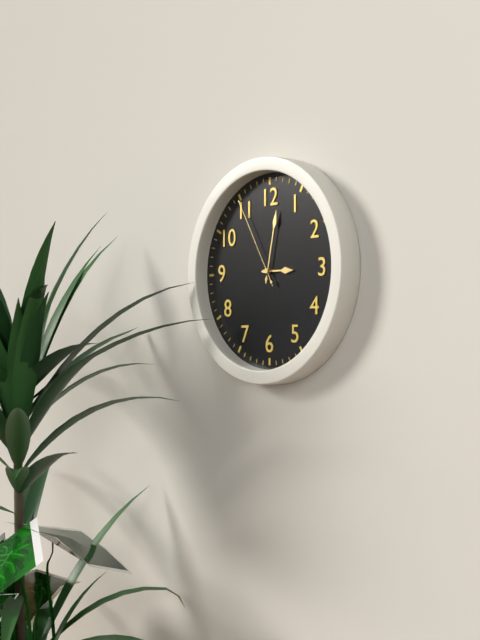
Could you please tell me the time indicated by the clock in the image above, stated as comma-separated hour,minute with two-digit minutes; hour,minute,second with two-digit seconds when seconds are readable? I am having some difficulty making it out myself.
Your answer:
3,02,55
